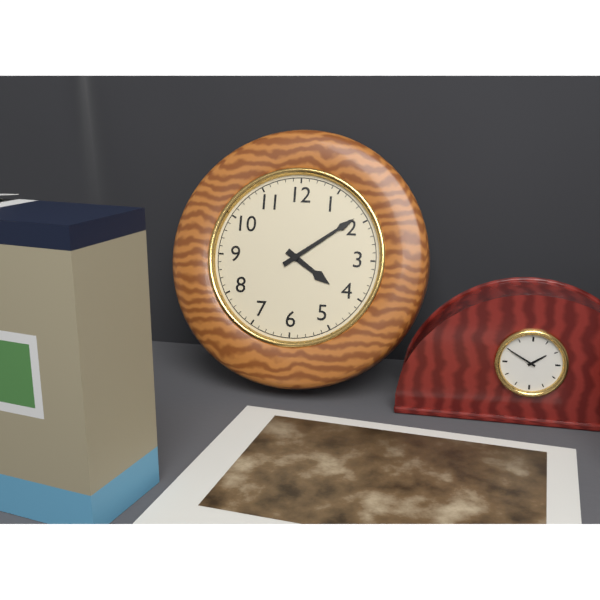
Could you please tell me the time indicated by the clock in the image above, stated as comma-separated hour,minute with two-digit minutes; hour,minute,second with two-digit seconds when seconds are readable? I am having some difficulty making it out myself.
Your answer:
4,09
